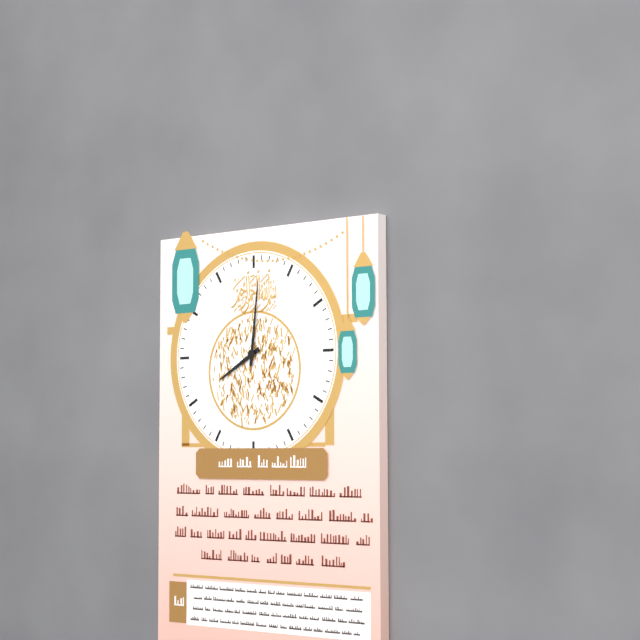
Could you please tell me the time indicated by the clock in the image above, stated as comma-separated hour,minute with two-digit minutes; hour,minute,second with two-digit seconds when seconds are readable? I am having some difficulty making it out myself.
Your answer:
8,01
